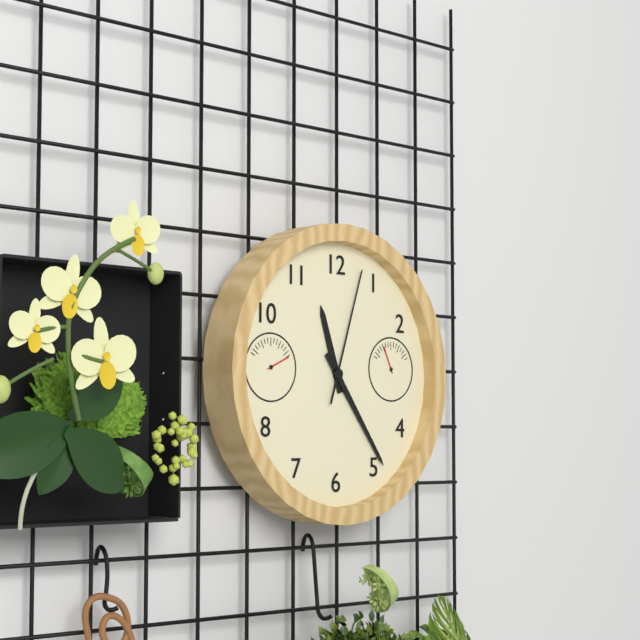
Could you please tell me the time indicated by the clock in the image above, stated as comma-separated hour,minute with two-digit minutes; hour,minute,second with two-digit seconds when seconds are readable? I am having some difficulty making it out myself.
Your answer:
11,24,03
